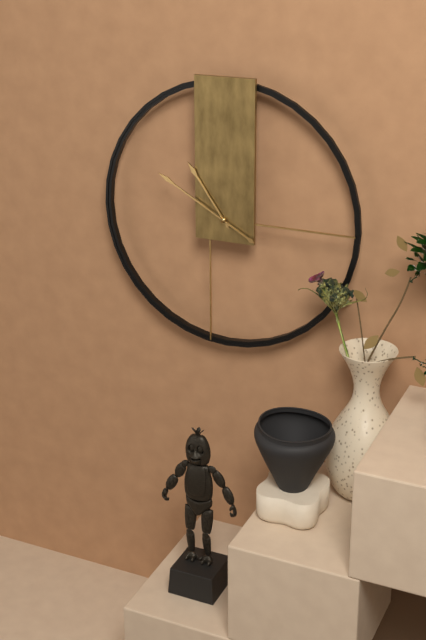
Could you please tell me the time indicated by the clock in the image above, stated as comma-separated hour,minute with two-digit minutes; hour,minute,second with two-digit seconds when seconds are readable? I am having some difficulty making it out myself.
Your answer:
10,50
